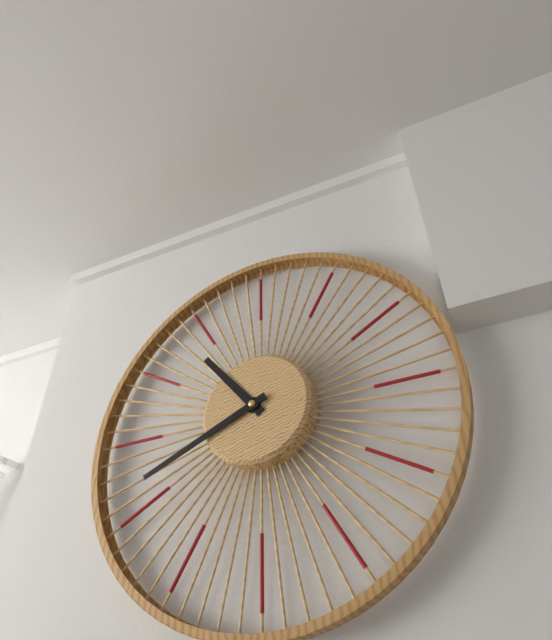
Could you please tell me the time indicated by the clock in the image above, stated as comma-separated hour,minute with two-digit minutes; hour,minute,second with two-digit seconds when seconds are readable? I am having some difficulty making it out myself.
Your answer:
10,41
